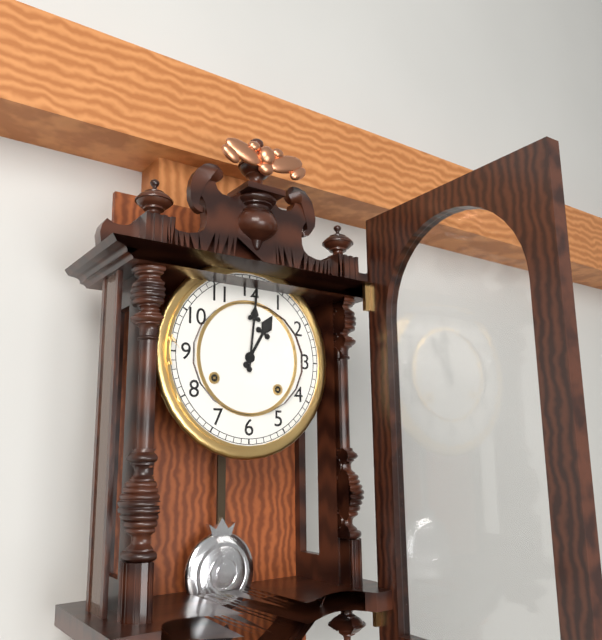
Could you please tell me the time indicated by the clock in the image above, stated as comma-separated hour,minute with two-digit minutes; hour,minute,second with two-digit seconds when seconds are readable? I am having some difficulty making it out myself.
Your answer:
1,01
